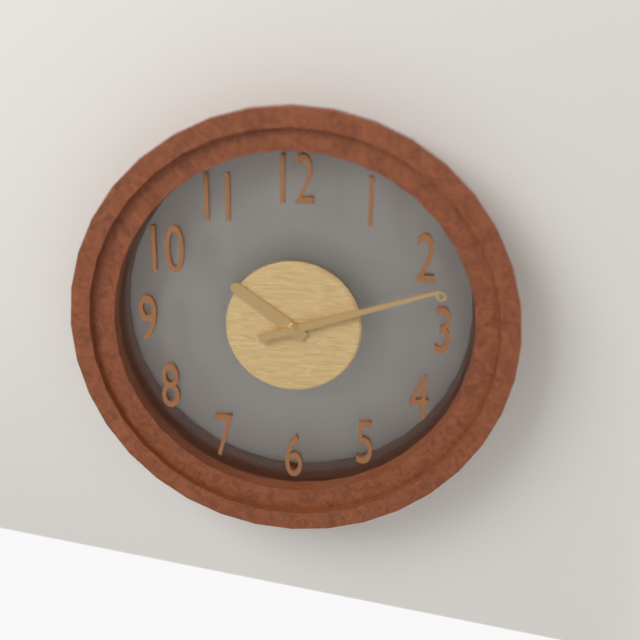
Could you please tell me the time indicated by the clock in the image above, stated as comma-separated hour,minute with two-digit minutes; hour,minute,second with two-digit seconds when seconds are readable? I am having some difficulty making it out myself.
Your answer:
10,12
